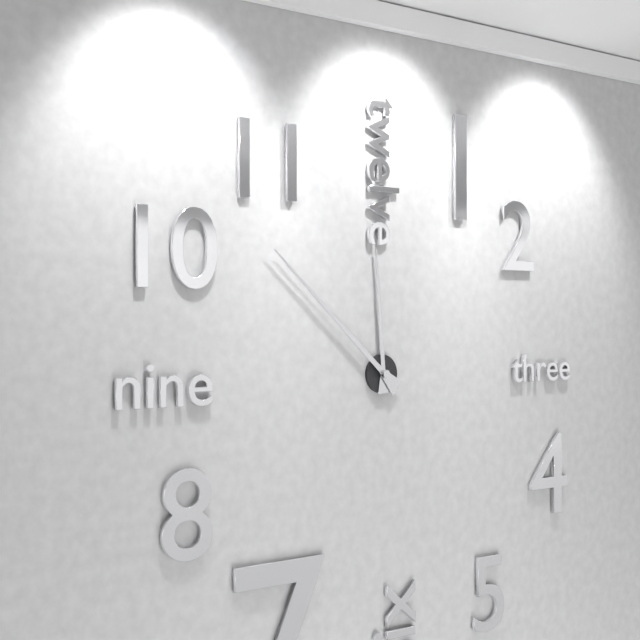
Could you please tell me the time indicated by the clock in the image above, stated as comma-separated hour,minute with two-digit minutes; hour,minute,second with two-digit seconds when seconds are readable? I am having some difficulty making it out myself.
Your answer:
11,52
